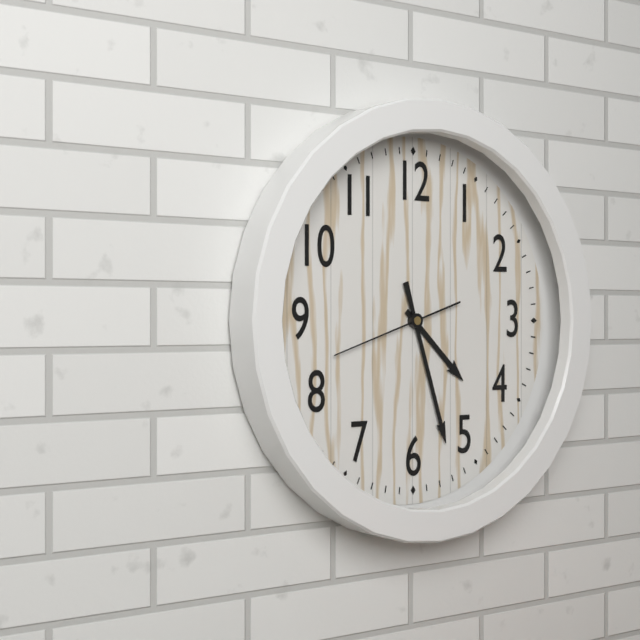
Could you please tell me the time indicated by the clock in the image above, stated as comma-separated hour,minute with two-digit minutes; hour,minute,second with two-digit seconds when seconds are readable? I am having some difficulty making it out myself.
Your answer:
4,27,42
